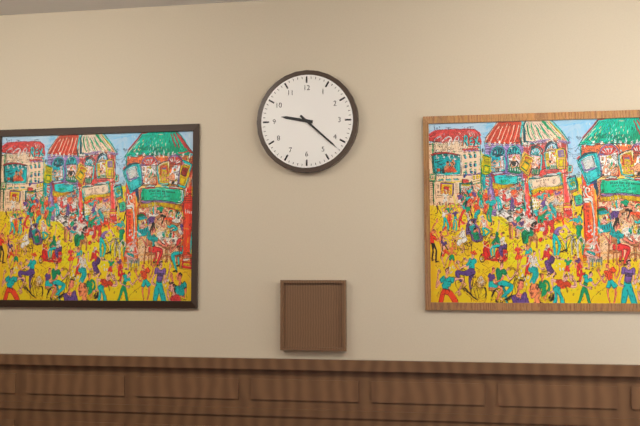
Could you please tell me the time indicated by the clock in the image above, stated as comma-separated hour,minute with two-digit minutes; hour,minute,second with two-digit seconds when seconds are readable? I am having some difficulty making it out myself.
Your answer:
9,22
